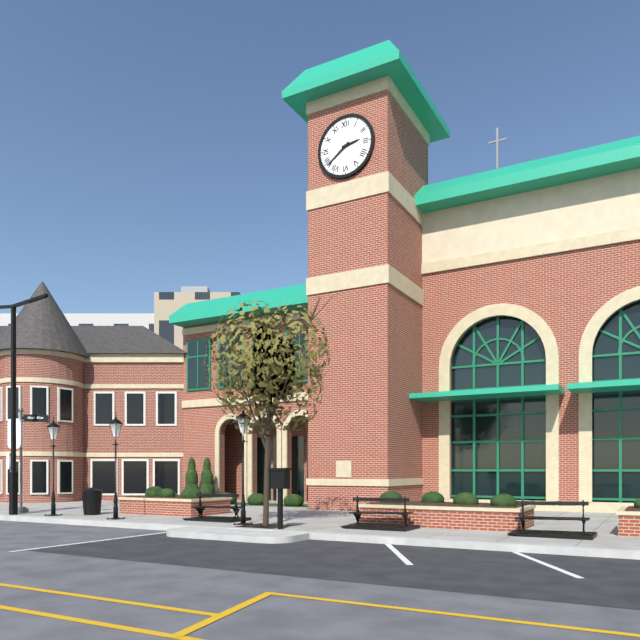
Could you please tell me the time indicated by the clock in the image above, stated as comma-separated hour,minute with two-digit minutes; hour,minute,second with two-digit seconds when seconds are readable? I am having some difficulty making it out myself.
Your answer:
2,39
